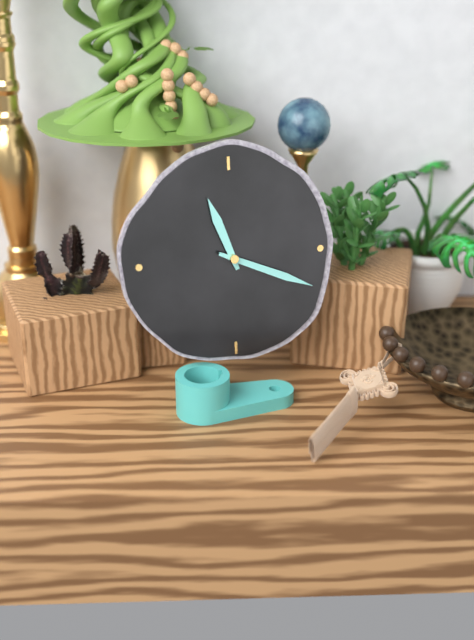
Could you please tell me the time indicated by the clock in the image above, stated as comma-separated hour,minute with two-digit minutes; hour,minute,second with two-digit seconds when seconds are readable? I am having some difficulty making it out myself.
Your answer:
11,19
